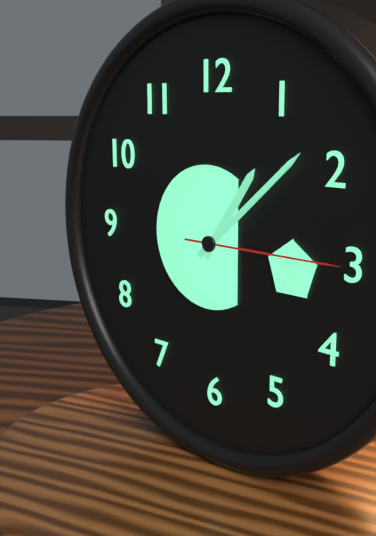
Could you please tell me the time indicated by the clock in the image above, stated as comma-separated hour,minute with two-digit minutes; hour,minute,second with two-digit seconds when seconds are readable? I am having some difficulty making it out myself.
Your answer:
1,08,15
